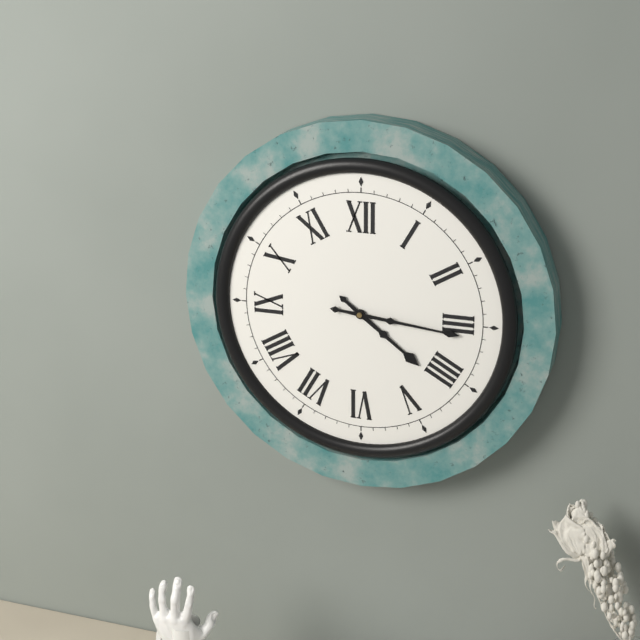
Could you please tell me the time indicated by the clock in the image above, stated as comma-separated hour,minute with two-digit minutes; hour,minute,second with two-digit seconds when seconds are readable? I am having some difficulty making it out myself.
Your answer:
4,16
